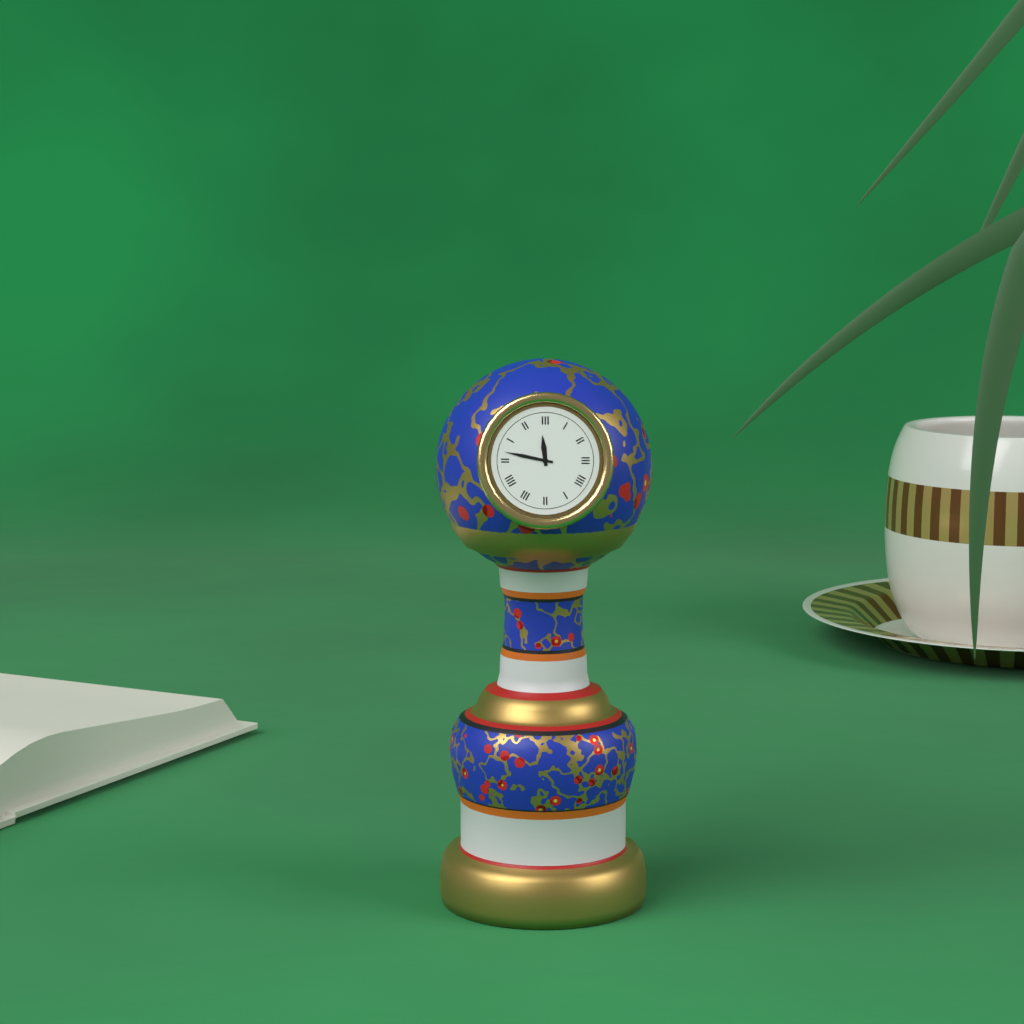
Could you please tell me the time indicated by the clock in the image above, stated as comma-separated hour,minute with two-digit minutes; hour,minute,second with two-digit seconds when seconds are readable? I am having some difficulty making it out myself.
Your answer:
11,47
